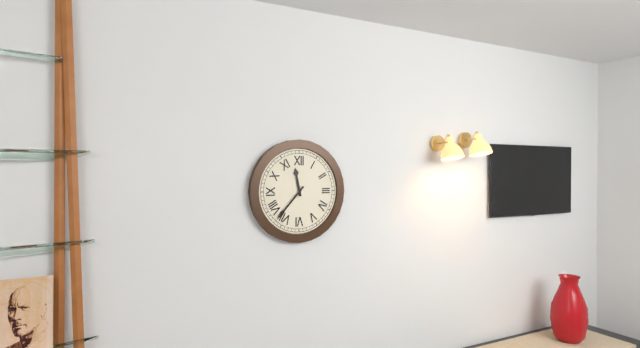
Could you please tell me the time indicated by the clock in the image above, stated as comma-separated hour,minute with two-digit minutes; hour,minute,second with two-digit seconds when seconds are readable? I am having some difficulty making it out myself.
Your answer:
11,37
